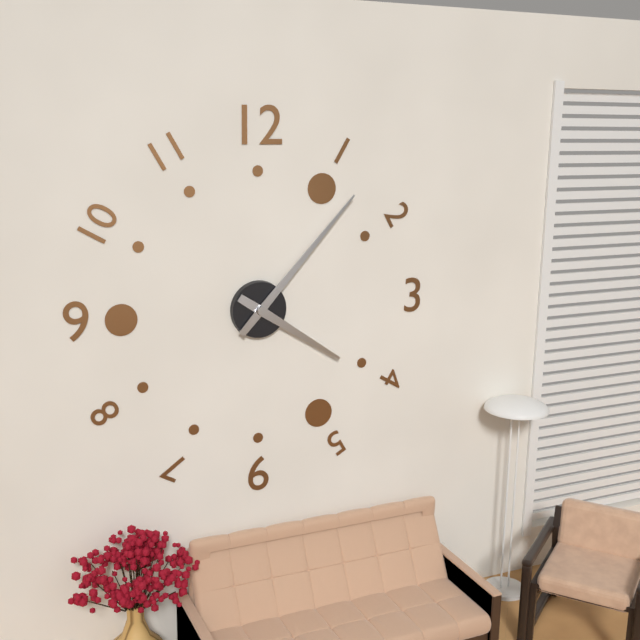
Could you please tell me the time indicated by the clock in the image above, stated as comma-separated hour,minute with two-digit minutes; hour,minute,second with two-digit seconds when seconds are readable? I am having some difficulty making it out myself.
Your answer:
4,07
